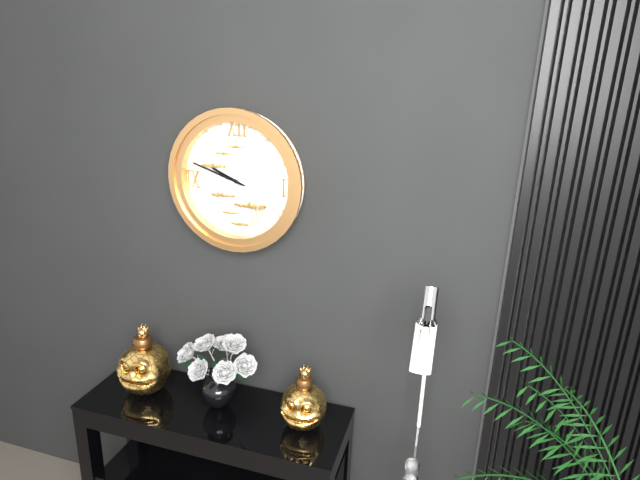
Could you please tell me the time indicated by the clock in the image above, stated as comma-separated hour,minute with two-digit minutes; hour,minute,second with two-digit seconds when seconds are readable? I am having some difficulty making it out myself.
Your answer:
9,48
